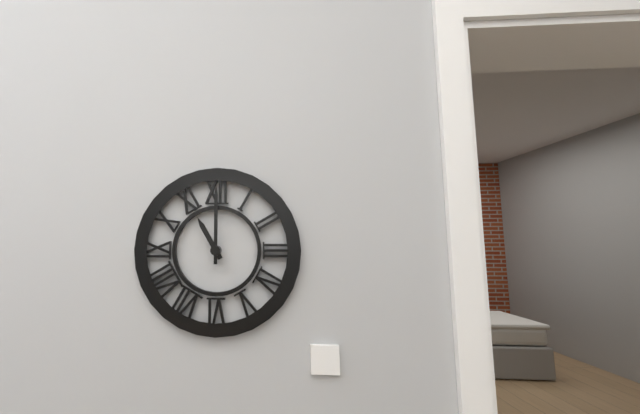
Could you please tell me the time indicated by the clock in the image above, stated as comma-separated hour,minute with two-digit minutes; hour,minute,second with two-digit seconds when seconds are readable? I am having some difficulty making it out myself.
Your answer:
11,00
